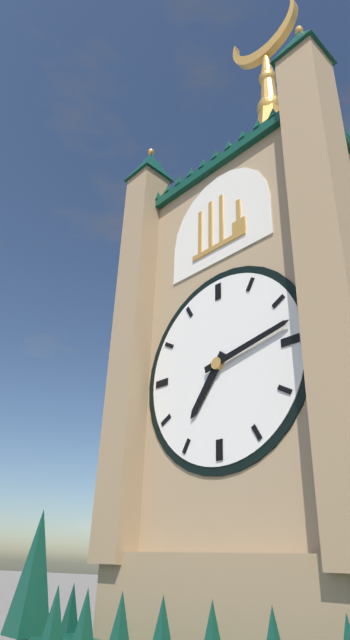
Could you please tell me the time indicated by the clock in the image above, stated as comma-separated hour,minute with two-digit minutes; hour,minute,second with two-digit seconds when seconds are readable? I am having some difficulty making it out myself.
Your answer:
7,13
